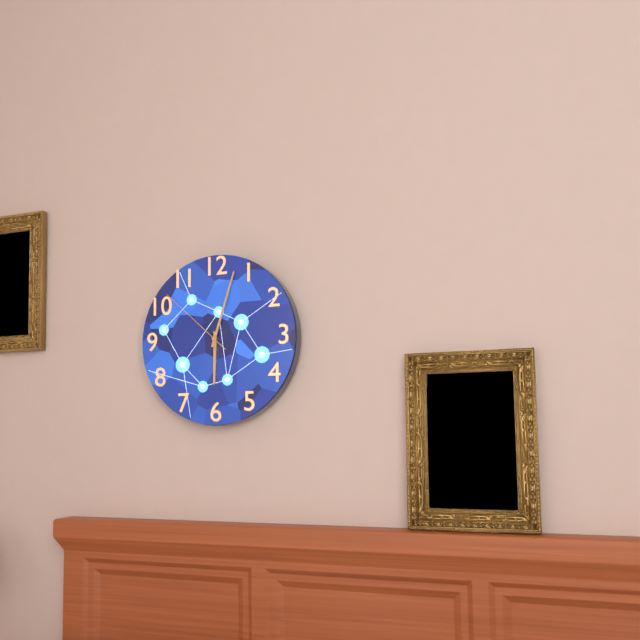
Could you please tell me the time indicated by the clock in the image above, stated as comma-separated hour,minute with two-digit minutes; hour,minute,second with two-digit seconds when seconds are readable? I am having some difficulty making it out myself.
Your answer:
6,03,52
